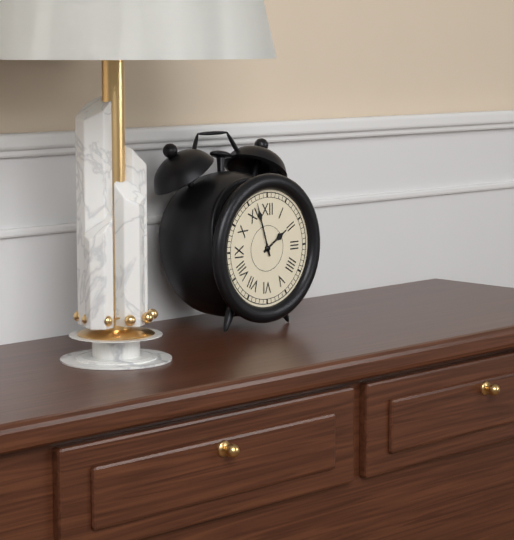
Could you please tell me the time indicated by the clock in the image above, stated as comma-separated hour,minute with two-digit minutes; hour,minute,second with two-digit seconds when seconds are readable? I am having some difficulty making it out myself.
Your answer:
1,57
